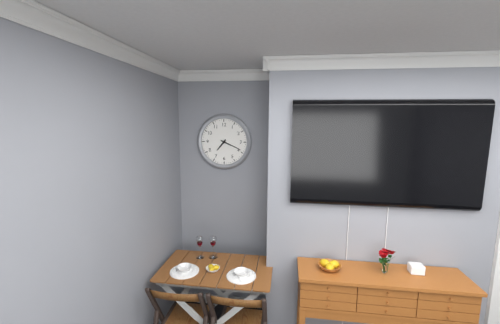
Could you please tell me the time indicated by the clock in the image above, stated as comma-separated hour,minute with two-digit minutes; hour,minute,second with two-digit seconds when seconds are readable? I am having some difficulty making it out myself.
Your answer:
7,19
